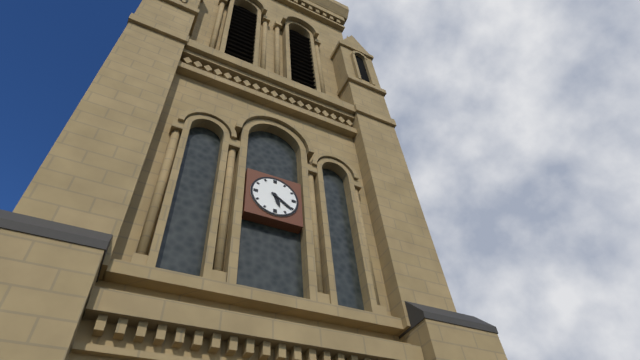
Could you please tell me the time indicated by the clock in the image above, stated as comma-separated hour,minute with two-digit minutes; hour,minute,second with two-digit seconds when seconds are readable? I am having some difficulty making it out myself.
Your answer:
5,21
